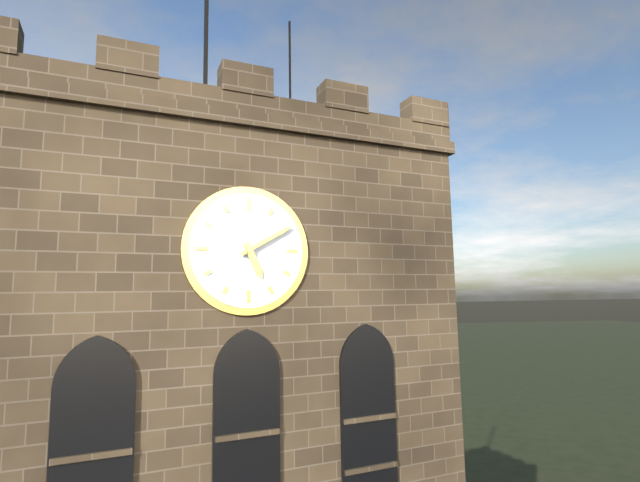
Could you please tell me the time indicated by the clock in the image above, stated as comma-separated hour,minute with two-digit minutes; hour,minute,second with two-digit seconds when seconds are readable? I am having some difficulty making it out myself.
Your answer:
5,10
